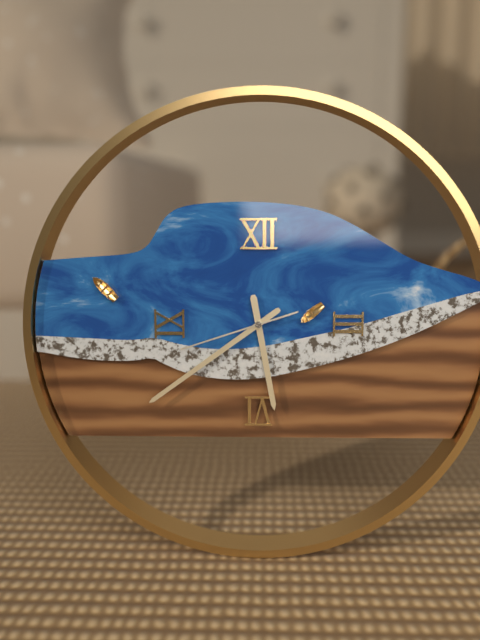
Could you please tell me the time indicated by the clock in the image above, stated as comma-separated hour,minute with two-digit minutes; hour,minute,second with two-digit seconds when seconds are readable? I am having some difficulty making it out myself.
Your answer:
5,39,42
